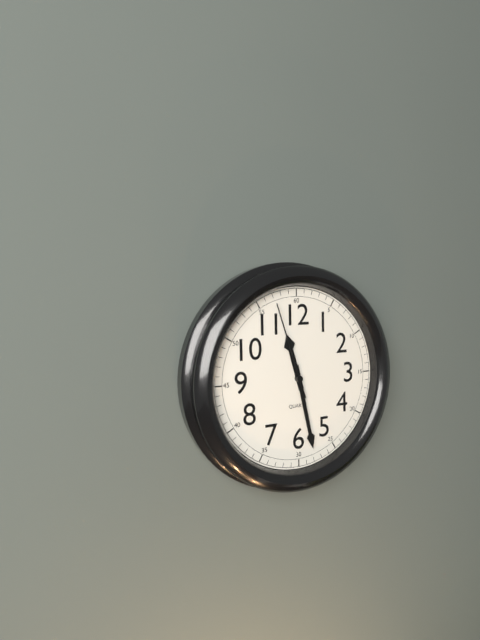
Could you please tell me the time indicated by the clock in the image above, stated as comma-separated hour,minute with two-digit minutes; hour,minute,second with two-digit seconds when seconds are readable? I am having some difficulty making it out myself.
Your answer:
11,28,57
